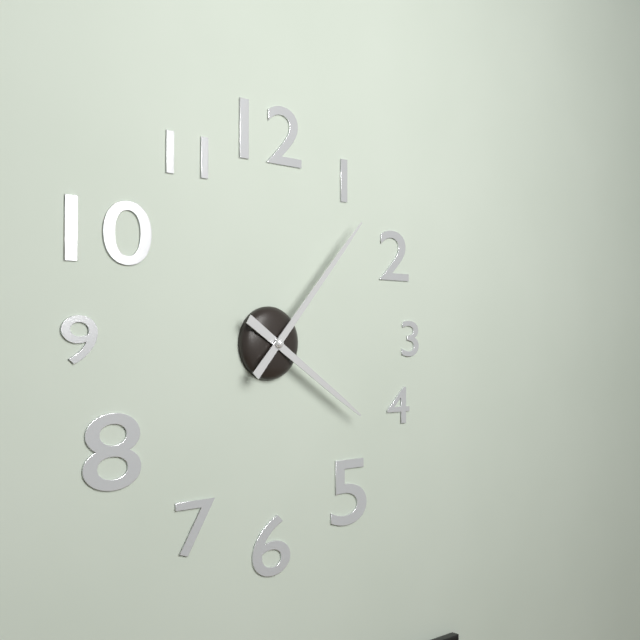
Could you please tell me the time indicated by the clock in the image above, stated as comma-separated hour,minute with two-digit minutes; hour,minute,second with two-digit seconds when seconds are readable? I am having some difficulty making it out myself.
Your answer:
4,07
